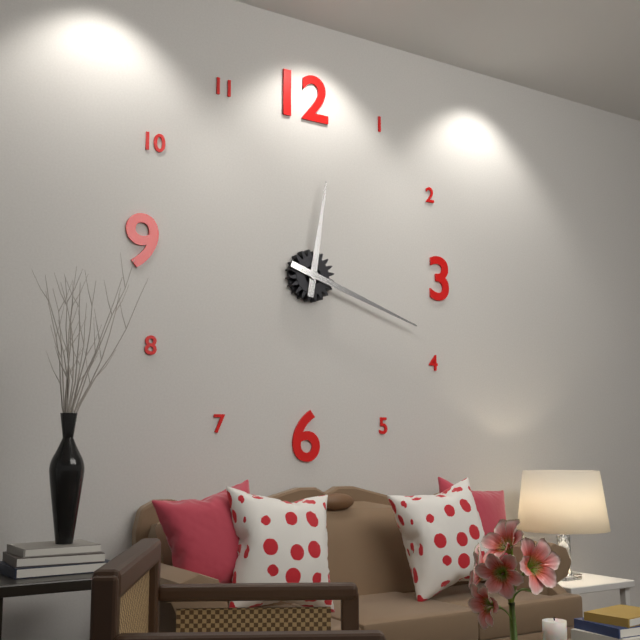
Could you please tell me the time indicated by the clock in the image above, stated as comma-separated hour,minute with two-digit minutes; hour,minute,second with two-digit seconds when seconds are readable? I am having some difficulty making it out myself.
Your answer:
12,18
